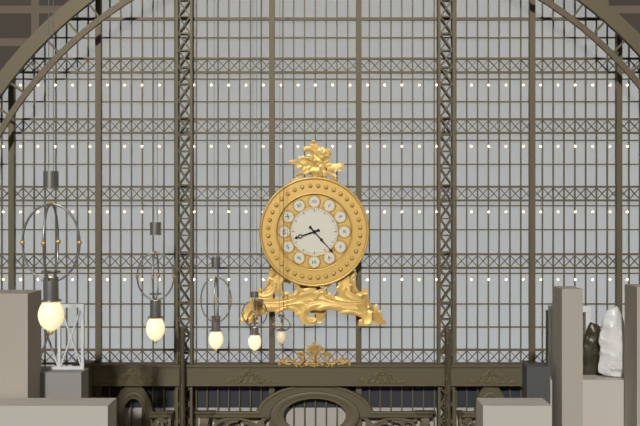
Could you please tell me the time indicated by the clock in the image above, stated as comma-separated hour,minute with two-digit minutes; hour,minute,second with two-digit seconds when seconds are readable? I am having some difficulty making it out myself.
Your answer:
8,23
